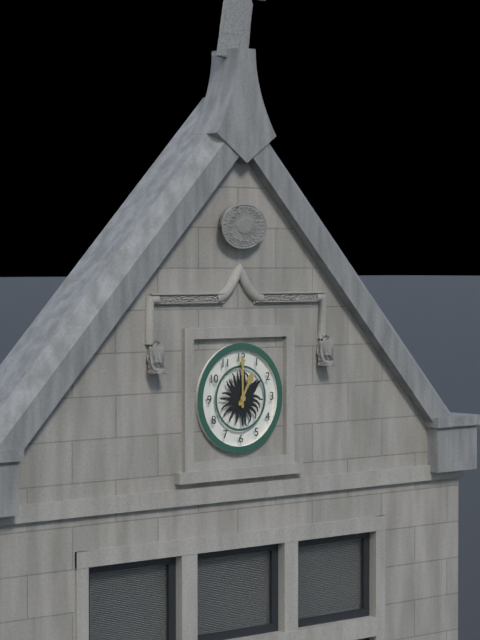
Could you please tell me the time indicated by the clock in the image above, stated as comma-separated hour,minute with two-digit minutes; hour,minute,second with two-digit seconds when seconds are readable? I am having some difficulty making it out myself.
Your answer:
1,00
